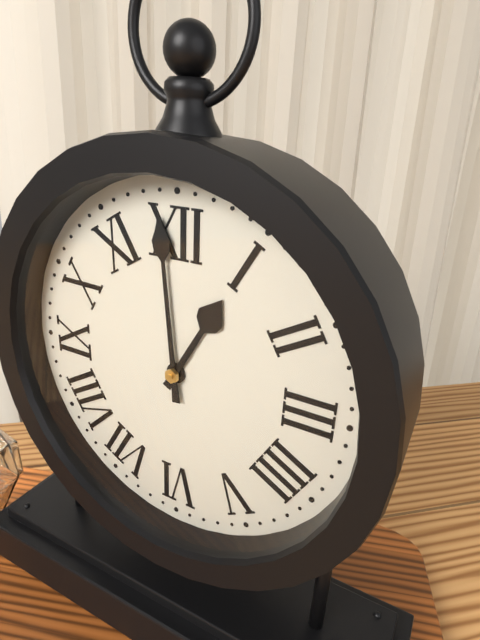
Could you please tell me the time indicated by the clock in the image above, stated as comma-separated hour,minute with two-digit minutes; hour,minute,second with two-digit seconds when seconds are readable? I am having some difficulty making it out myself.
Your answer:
12,59
